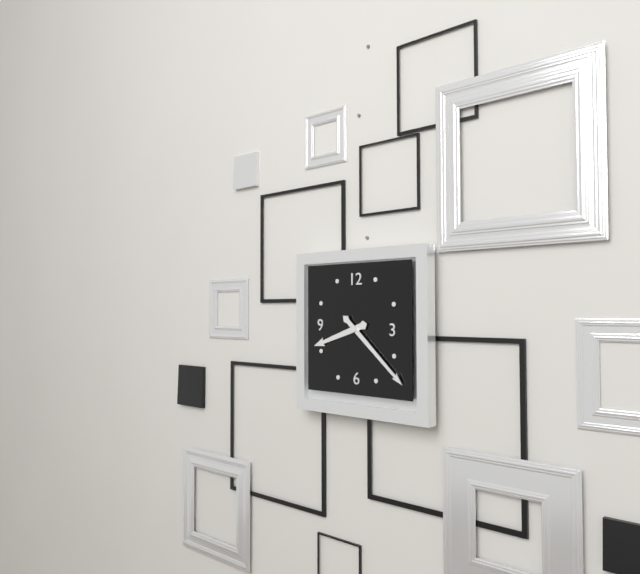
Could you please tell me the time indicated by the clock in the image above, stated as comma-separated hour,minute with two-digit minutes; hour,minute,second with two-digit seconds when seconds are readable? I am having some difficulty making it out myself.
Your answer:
8,22
